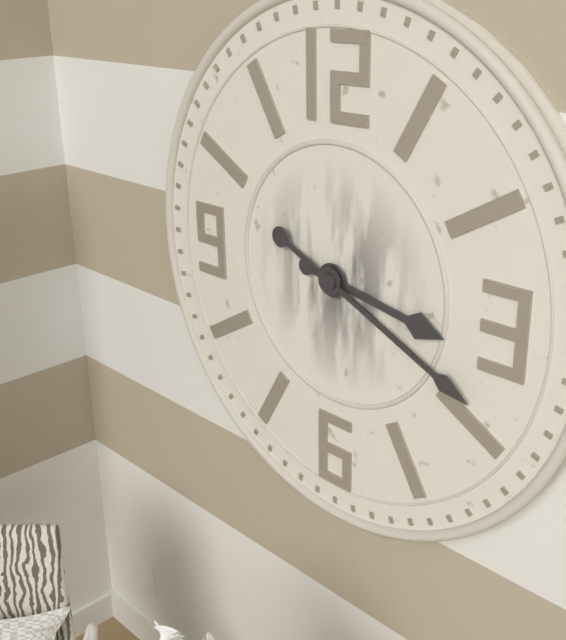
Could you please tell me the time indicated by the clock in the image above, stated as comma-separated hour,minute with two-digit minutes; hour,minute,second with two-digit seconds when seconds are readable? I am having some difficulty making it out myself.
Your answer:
3,19
